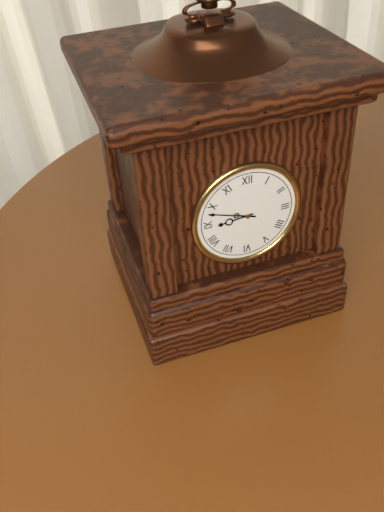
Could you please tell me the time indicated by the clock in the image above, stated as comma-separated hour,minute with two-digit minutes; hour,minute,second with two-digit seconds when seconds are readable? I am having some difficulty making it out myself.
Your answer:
8,48
